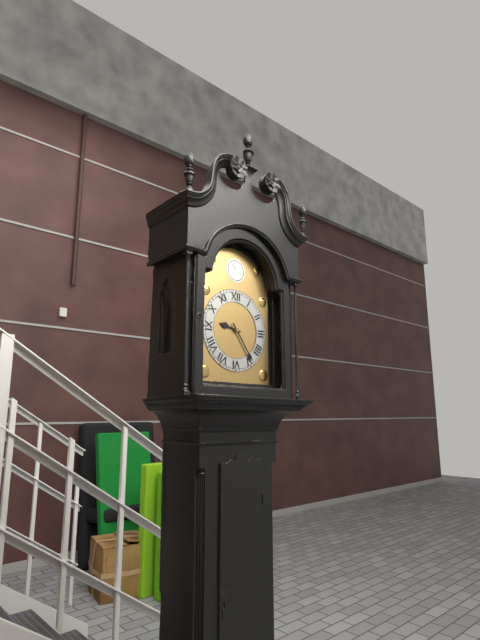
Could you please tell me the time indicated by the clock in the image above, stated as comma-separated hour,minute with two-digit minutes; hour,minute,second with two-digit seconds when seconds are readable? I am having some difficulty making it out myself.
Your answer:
9,24
